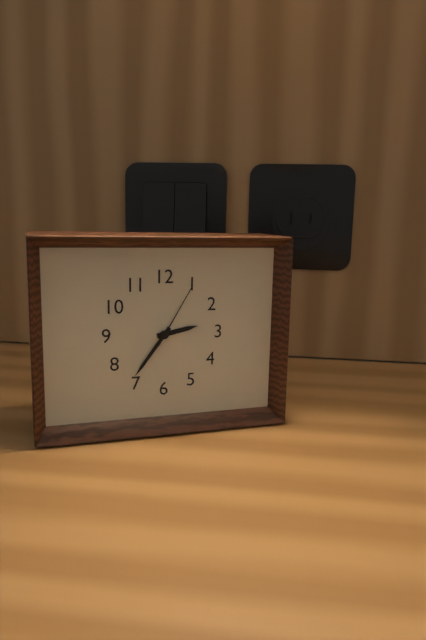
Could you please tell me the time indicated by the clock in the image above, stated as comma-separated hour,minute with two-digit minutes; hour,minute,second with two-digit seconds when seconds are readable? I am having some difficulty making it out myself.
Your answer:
2,36,05
